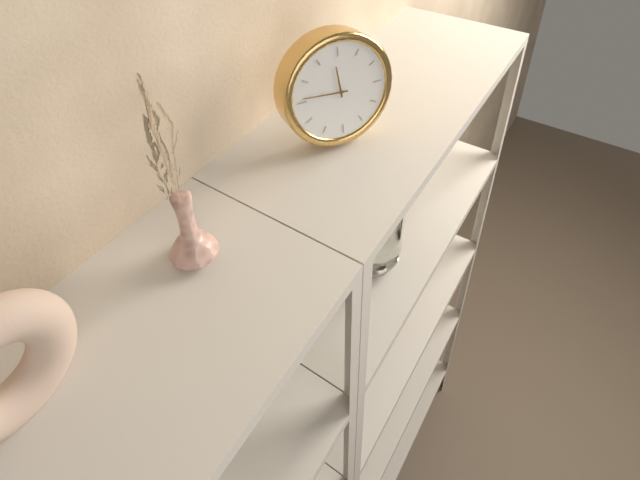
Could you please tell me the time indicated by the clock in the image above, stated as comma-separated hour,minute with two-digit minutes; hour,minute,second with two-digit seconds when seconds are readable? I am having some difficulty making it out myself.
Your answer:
11,46
